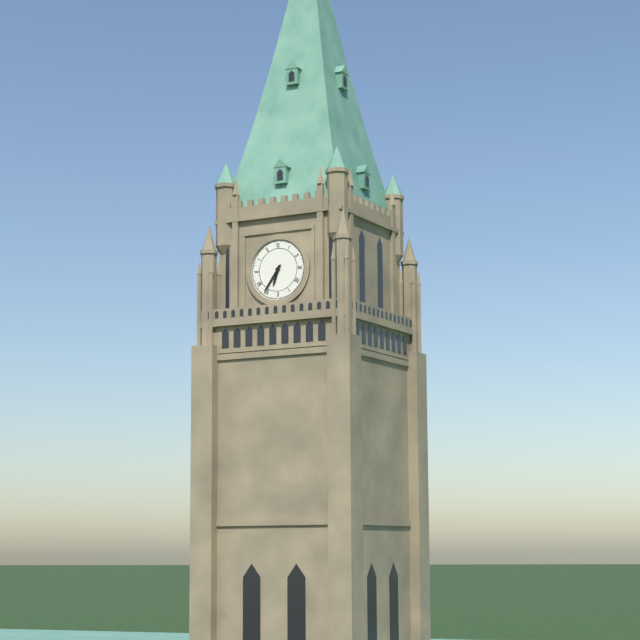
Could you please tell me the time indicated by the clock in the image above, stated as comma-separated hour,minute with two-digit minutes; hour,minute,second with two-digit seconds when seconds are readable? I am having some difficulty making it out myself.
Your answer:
6,36
